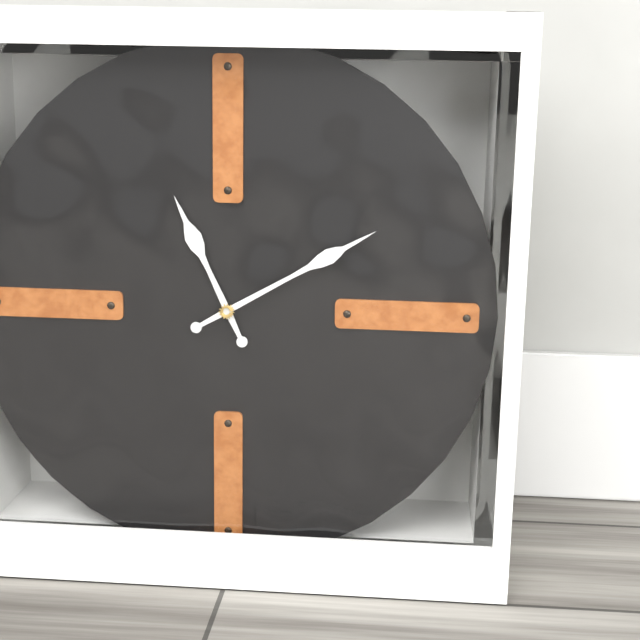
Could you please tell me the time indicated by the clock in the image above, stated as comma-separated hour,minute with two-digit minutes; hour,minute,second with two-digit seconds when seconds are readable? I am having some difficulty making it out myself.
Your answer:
11,10
